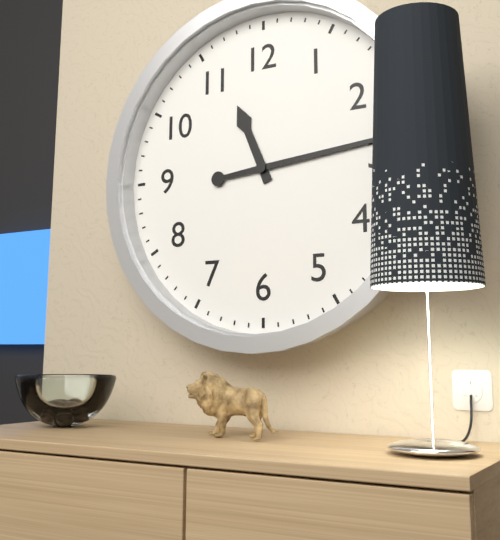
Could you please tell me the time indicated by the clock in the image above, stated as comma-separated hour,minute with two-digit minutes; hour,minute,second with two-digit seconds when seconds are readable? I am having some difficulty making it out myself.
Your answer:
11,14
